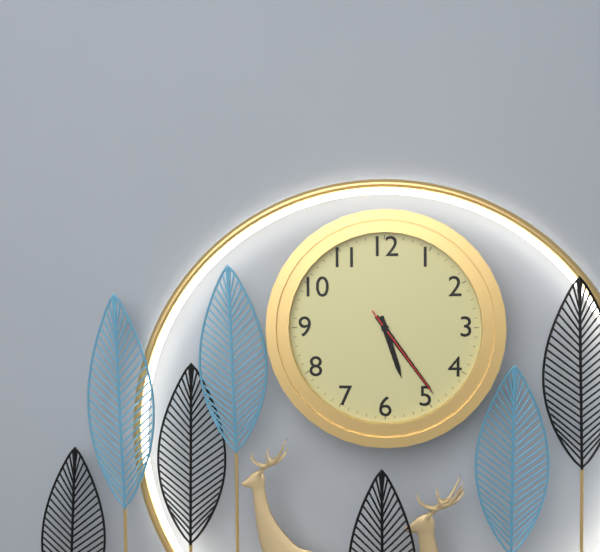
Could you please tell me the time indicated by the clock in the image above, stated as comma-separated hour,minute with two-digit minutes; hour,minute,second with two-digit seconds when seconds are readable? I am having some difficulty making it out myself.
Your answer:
5,24,24
